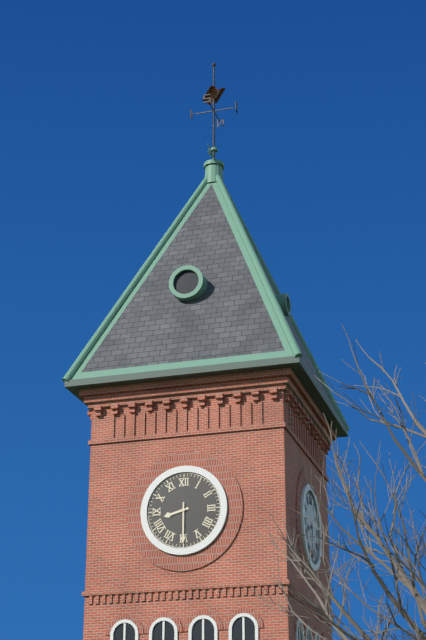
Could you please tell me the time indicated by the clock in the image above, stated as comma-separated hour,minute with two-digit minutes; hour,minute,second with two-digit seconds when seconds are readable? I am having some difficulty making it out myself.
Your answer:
8,30
